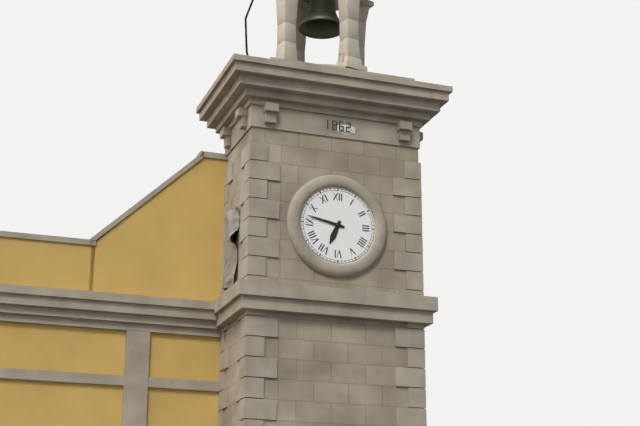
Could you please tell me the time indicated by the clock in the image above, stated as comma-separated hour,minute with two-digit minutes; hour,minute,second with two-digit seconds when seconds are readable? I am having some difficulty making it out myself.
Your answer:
6,47
